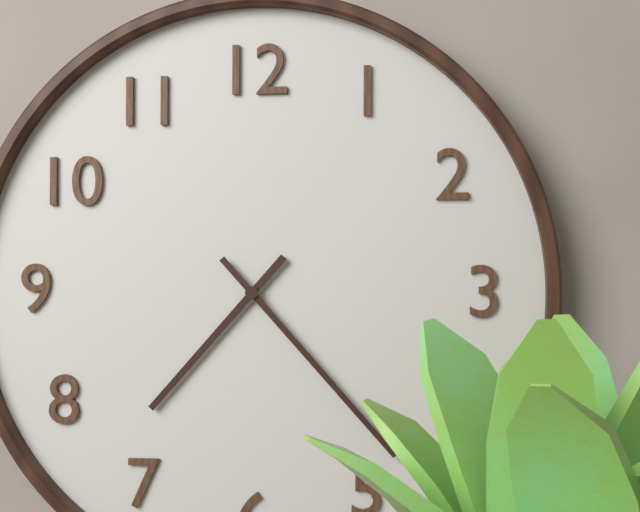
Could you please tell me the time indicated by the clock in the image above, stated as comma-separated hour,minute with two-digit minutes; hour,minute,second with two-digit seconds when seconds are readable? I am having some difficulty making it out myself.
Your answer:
7,23
